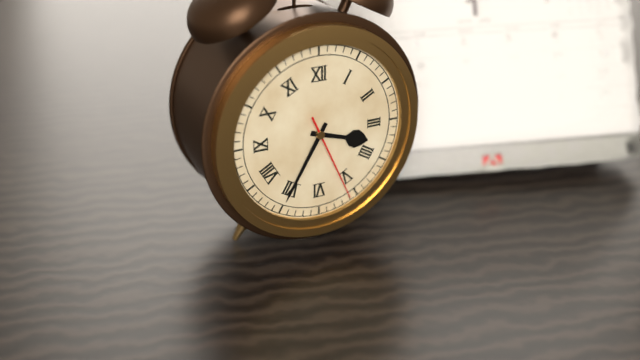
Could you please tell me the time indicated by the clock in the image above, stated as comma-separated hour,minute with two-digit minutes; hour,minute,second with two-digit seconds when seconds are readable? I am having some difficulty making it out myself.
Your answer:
3,35,26
